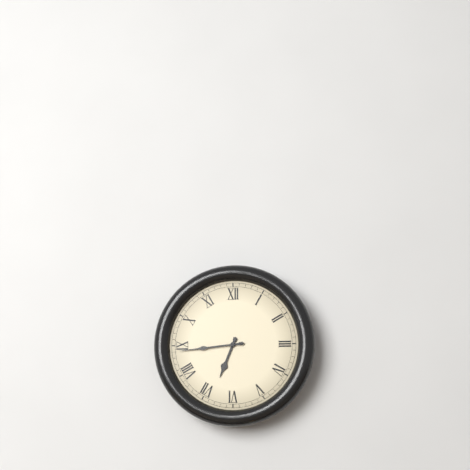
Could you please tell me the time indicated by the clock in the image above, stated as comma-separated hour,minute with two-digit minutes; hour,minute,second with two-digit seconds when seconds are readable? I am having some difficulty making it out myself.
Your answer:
6,44
